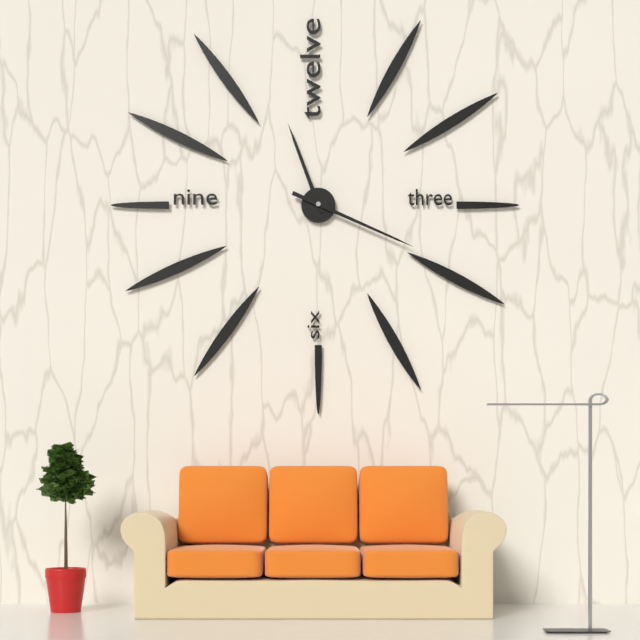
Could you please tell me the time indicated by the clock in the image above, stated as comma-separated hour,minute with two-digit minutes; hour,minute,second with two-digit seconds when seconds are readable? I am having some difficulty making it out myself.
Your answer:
11,19
